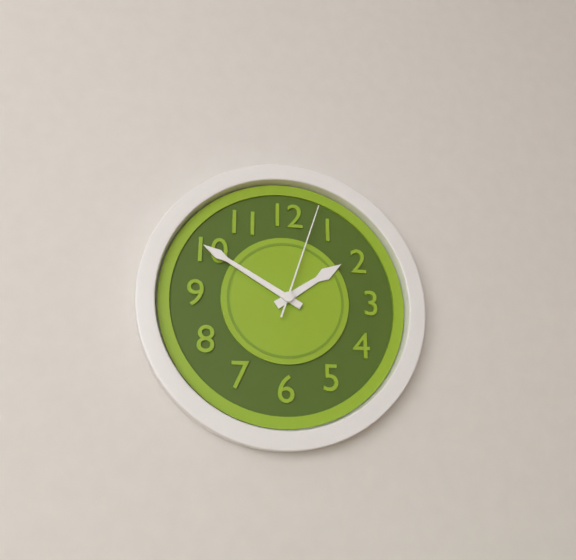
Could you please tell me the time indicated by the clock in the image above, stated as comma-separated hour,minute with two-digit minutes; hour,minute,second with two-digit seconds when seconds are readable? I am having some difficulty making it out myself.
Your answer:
1,50,03
